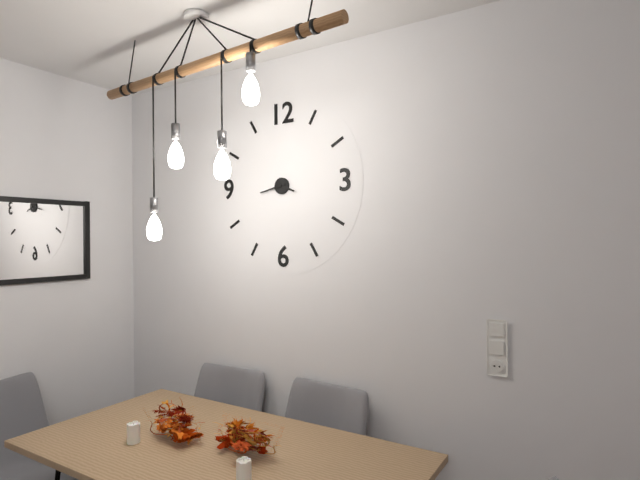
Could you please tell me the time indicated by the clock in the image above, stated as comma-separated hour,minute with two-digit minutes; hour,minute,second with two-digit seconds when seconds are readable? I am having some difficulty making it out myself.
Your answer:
3,43
